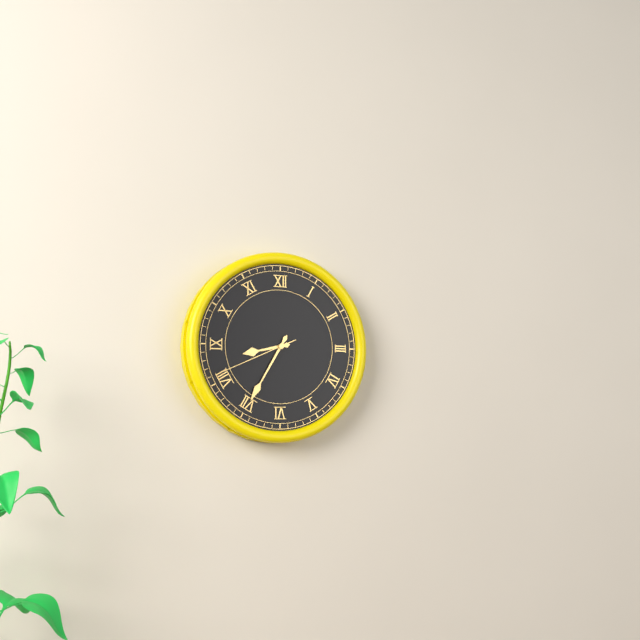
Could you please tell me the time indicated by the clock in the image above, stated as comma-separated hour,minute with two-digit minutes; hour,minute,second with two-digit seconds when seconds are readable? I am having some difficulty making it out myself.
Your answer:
8,35,41
